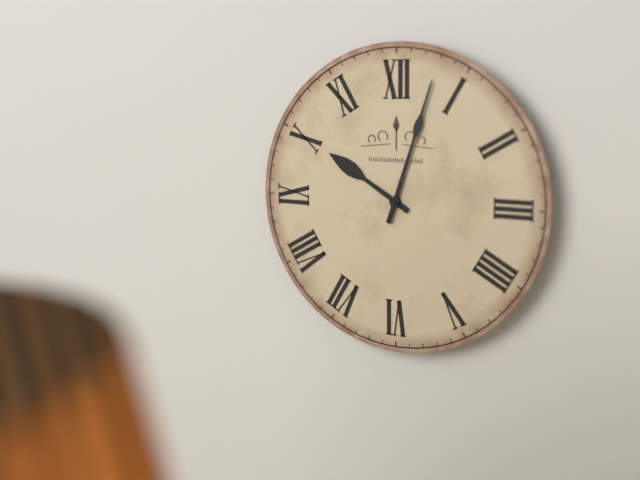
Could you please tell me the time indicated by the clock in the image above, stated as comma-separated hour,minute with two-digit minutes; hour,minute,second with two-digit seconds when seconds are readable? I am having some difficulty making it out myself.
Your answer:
10,03
